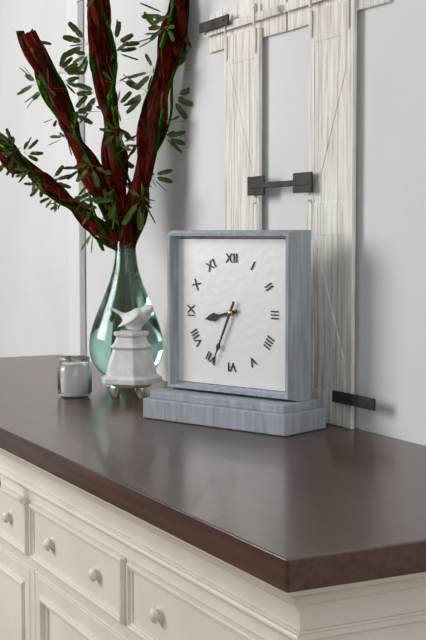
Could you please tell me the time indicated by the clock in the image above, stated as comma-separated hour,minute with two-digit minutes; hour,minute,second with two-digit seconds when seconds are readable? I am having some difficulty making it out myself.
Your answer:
8,34
